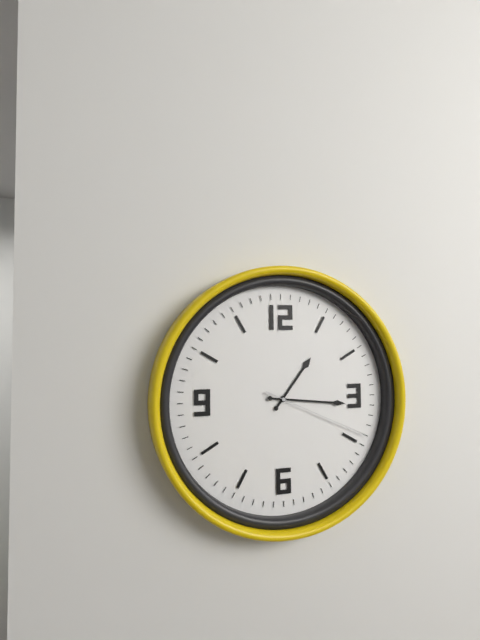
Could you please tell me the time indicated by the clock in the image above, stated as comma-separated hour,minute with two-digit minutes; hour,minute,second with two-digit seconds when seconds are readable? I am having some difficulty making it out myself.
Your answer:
1,16,19
